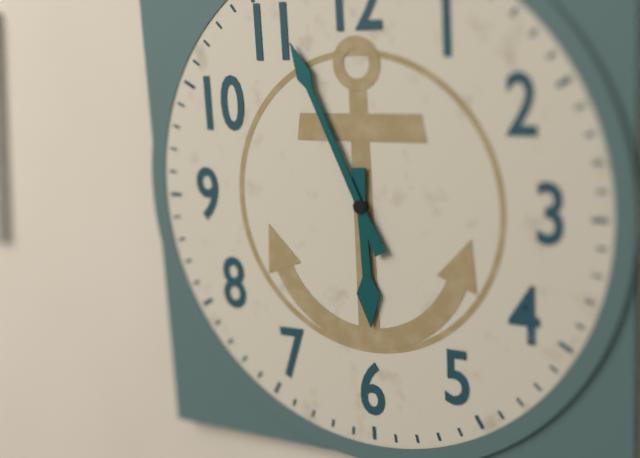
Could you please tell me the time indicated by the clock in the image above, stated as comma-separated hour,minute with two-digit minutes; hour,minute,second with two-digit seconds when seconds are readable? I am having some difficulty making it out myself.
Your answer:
5,56
